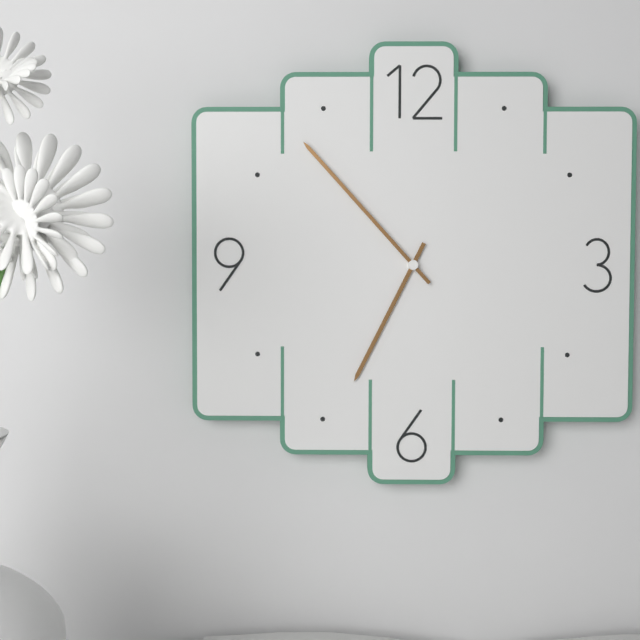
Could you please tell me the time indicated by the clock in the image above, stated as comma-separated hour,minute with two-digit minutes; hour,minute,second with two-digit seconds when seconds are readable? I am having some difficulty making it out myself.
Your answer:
6,53
